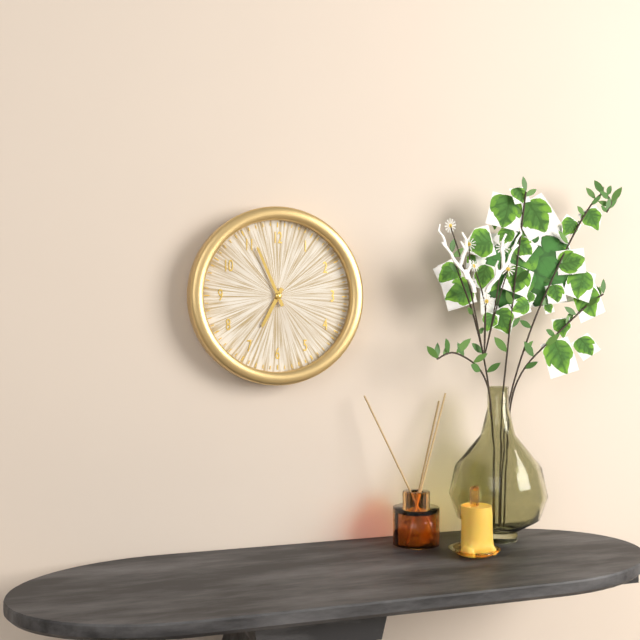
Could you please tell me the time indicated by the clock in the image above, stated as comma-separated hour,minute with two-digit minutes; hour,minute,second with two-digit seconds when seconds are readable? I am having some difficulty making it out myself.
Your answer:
6,56
